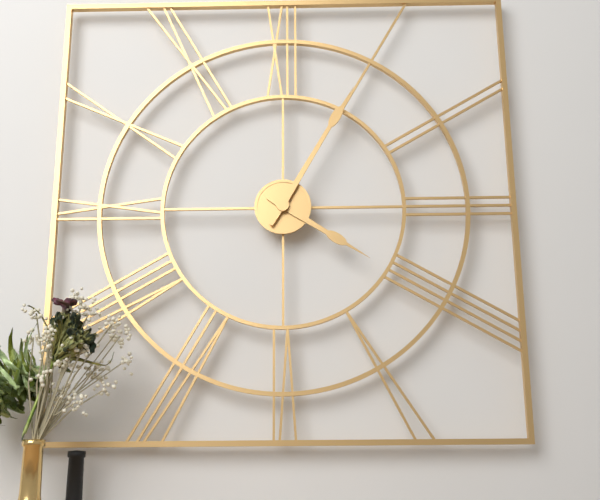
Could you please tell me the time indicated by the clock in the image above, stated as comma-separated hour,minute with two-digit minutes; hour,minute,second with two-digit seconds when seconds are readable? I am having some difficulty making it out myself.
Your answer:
4,05
